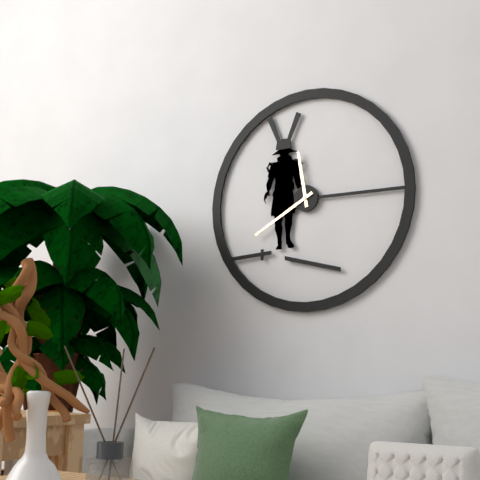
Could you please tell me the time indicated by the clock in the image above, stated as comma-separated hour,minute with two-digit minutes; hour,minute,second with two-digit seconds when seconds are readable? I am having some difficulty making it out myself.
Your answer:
11,40
